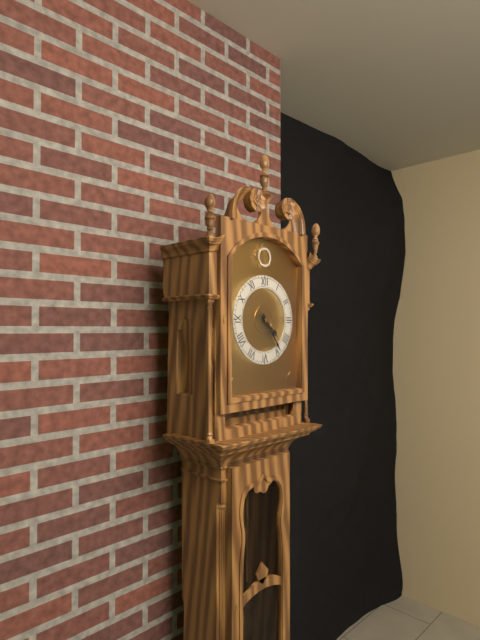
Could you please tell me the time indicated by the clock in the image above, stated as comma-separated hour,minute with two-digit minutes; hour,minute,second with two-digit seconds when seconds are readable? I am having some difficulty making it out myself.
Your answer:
4,24
